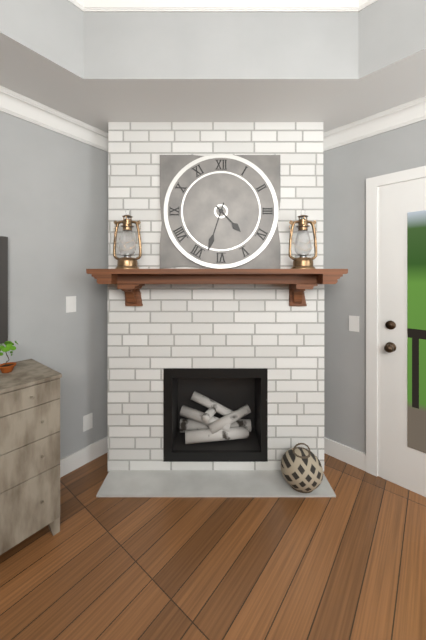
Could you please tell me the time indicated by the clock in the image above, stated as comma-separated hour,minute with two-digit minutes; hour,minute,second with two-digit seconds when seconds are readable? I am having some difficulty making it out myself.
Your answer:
4,33
